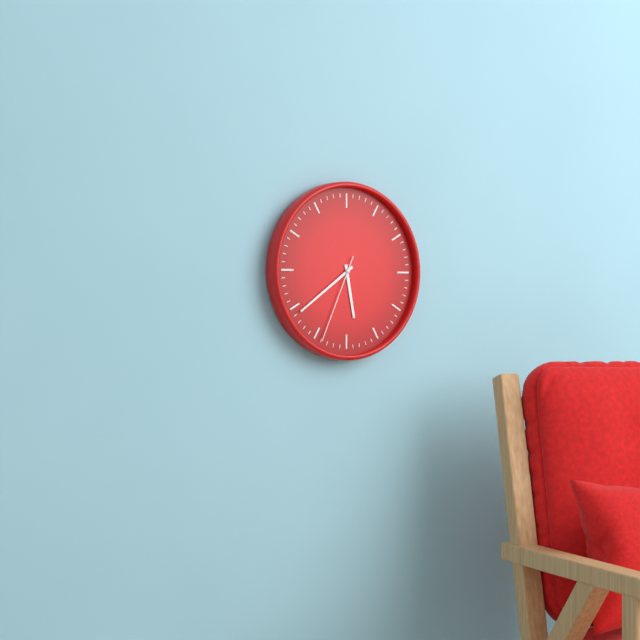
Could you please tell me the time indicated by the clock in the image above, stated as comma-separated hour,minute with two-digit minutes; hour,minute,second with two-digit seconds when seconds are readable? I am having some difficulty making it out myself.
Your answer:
5,39,34
